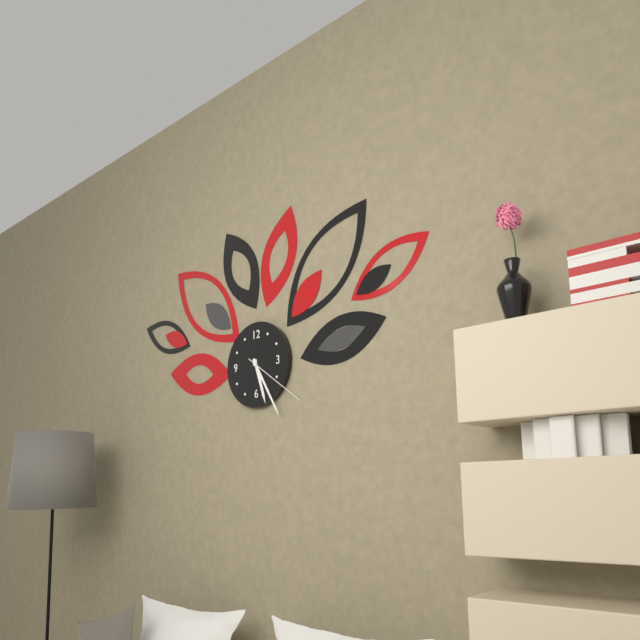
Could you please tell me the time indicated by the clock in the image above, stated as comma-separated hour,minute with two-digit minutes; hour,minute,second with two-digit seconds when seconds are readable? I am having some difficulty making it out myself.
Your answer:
5,25,21
